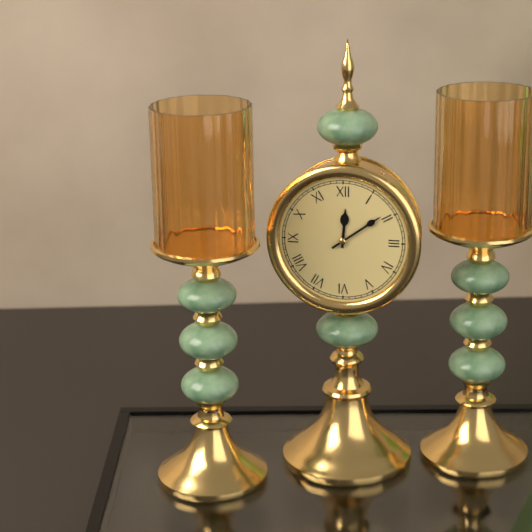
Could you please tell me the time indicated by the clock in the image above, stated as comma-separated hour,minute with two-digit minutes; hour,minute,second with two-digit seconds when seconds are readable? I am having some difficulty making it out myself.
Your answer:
12,09
